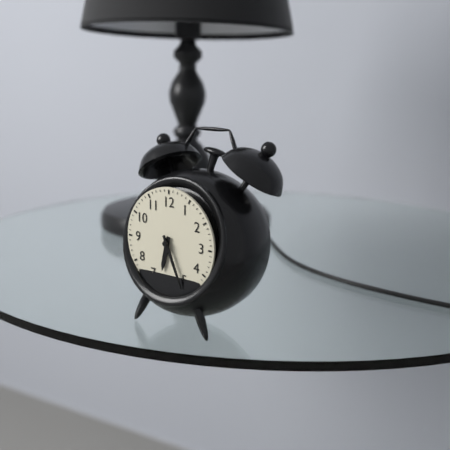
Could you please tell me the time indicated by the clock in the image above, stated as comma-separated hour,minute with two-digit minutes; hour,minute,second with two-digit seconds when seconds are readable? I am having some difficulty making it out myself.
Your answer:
6,26
